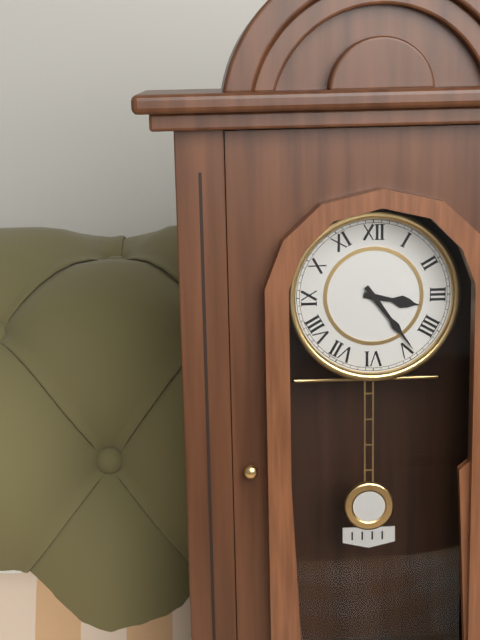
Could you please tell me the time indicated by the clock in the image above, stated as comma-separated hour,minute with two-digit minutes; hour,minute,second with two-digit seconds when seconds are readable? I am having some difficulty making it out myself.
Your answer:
3,24
